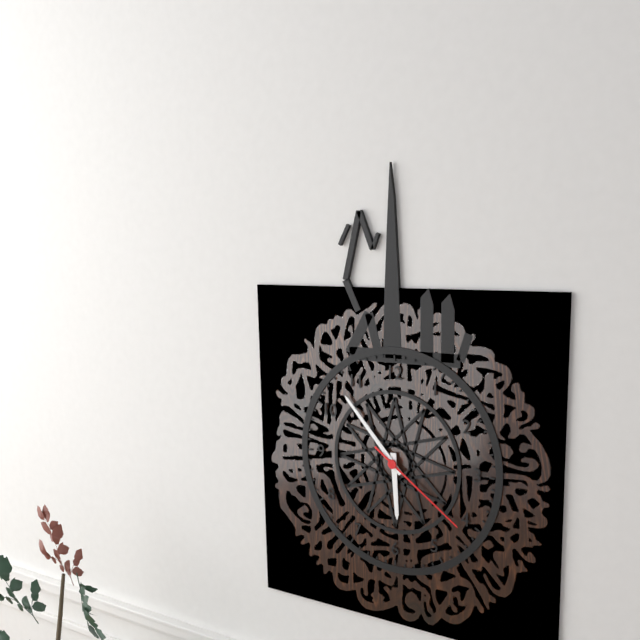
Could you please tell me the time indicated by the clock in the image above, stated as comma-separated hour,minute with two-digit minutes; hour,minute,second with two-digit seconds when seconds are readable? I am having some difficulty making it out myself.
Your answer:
5,53,21
